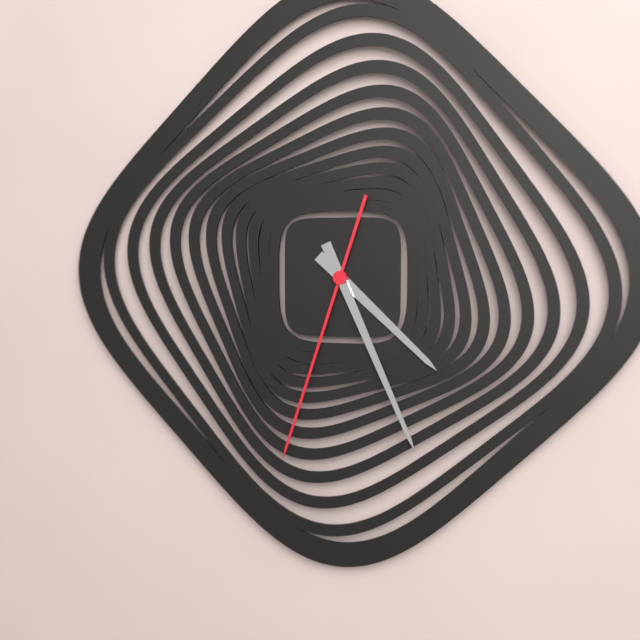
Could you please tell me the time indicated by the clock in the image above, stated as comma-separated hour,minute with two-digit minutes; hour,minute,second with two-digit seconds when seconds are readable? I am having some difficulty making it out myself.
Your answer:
4,26,33
